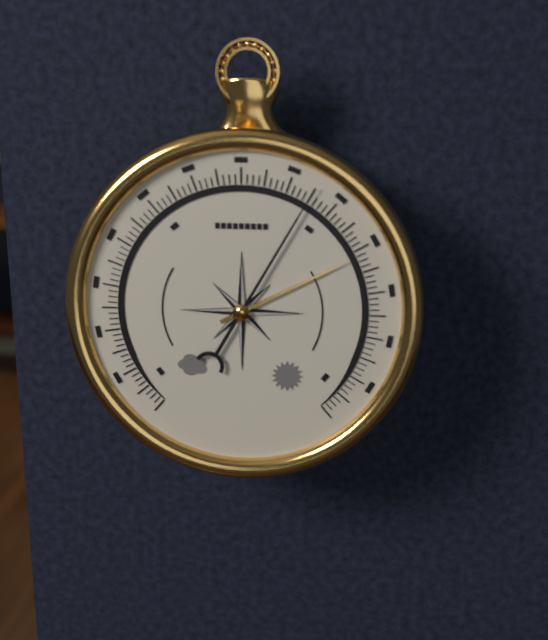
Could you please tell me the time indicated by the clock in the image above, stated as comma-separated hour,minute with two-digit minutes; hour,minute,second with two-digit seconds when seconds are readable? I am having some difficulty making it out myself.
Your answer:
2,05
